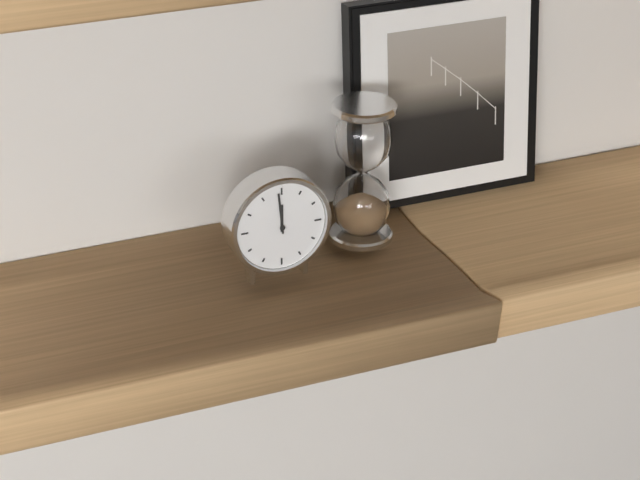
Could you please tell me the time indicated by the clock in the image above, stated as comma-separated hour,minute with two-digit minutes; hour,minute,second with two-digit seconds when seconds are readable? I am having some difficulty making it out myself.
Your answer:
11,59
